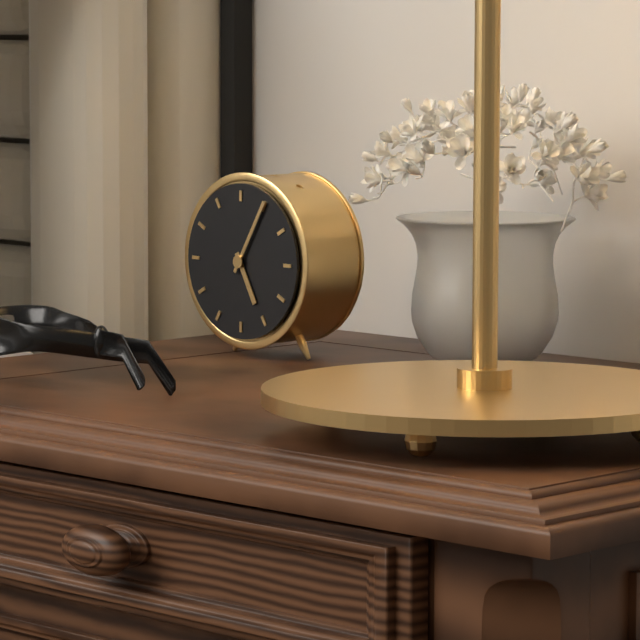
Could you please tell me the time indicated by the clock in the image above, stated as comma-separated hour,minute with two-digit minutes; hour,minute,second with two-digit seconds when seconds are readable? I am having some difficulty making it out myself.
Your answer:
5,05
